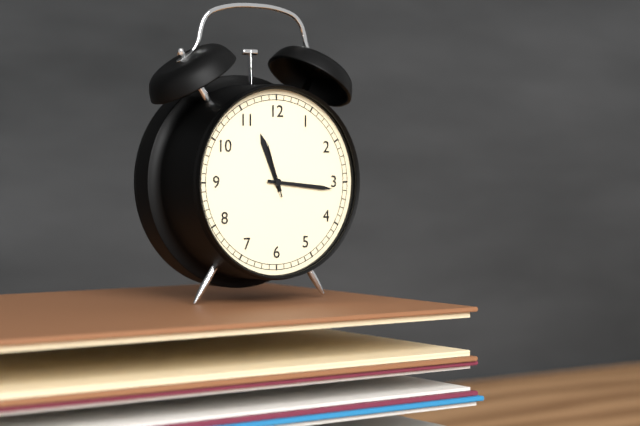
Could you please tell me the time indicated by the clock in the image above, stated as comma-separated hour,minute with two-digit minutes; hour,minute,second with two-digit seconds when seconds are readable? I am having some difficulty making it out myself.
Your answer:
11,16,57
